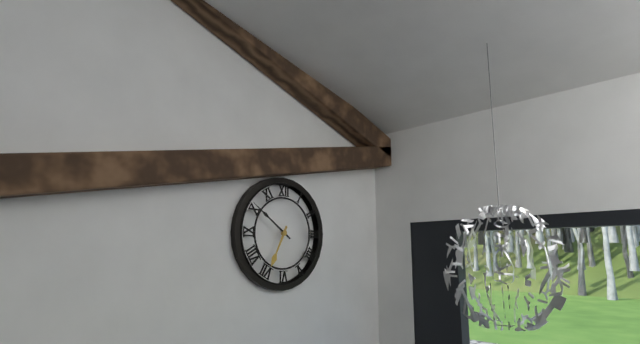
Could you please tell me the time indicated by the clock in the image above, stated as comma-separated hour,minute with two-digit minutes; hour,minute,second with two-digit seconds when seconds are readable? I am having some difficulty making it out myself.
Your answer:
6,51
